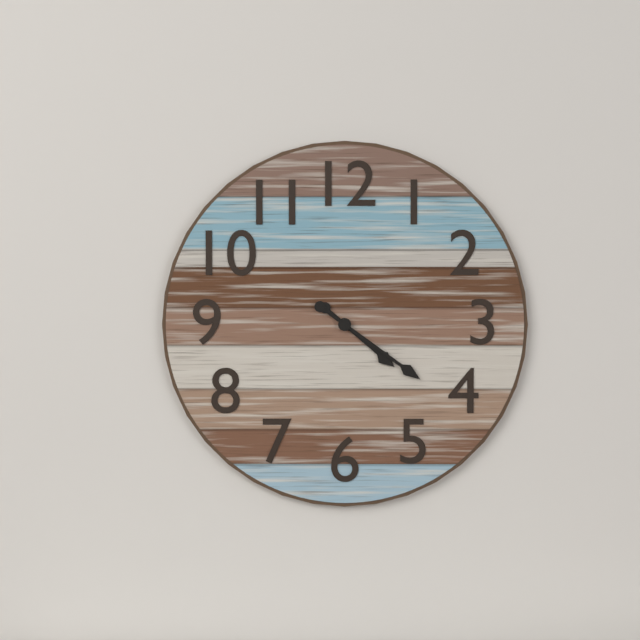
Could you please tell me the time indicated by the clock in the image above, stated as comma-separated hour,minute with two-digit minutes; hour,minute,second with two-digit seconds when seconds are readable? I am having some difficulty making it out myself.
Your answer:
4,21
